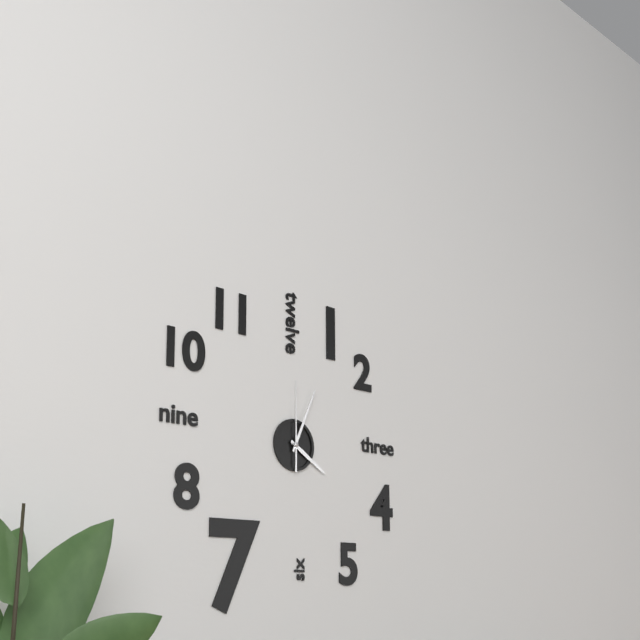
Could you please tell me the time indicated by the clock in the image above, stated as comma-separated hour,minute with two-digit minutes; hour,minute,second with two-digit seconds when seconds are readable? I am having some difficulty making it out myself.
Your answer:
4,04,00
